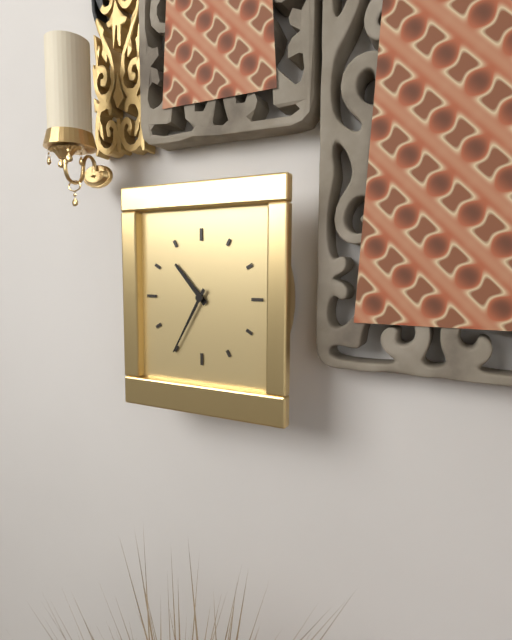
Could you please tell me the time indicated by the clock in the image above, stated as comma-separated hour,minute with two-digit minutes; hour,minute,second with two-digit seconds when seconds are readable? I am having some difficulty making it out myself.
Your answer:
10,35
